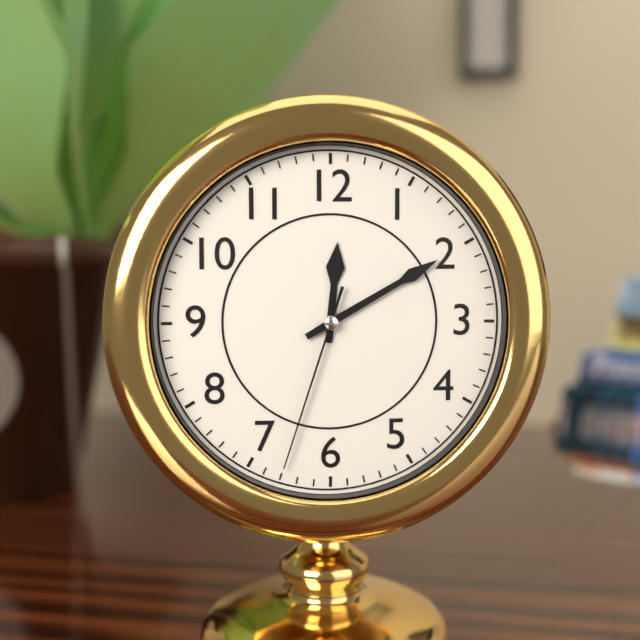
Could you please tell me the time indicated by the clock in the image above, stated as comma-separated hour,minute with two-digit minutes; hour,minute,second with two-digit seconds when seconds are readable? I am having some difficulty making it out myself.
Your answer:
12,10,33
